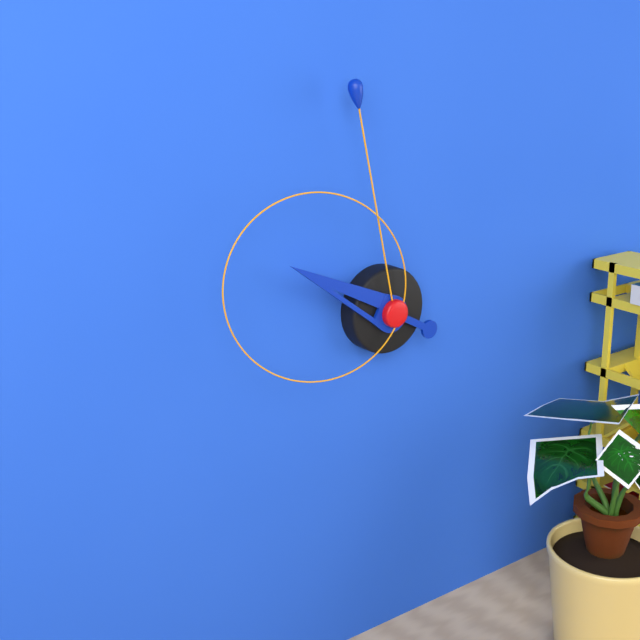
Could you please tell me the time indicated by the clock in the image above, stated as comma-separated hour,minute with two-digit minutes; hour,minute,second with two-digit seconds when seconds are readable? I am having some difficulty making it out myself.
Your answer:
9,58,49
